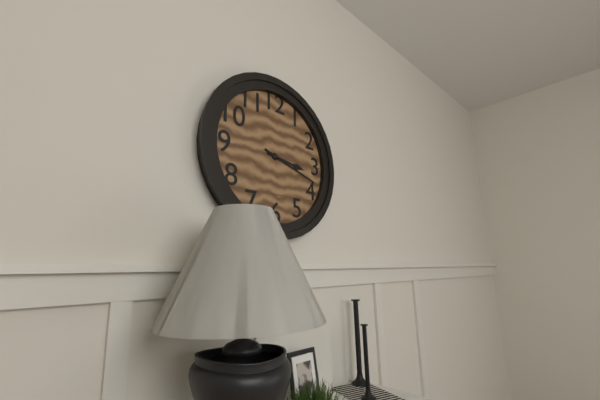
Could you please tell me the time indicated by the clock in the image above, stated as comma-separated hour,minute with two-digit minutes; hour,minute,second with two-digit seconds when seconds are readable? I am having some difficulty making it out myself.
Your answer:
3,18
